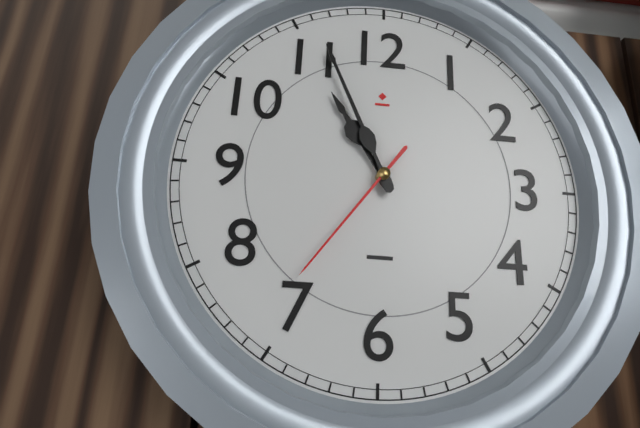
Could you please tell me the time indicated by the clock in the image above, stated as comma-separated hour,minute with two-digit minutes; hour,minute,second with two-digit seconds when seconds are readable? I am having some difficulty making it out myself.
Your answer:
10,56,36
